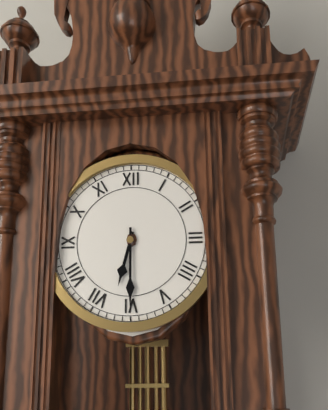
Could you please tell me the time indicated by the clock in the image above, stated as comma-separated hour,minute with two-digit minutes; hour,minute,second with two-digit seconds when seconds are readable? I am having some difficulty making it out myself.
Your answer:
6,30
